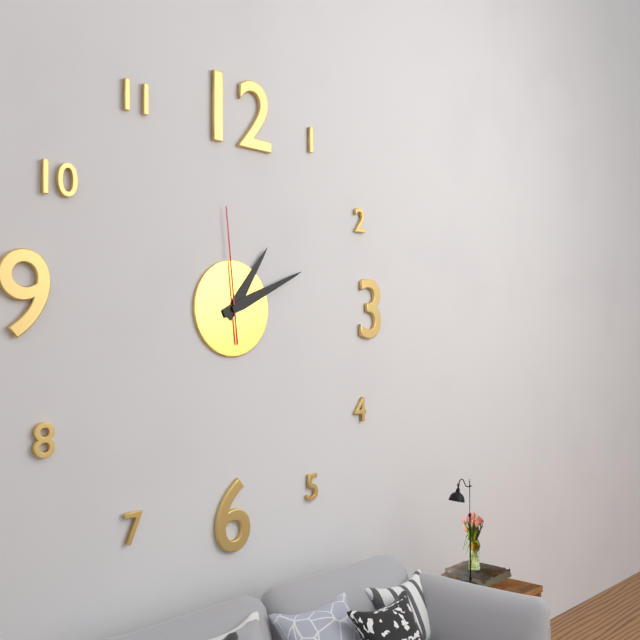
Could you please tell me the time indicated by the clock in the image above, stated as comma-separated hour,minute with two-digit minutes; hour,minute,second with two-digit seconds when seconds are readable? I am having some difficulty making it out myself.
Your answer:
1,11,59
